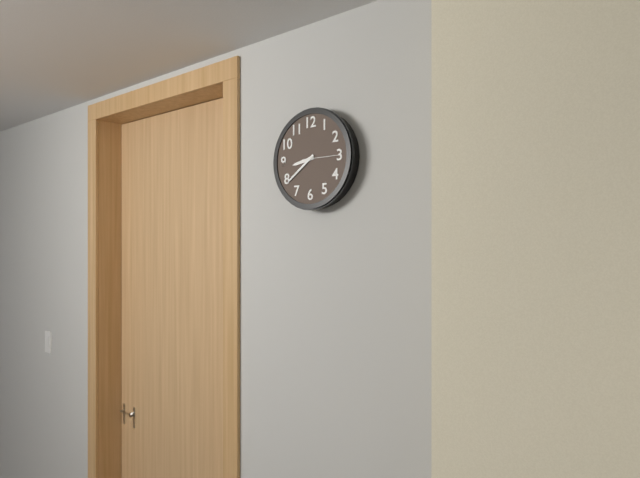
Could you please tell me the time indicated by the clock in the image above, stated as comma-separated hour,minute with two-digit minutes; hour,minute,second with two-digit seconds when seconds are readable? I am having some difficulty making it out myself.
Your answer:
8,39
